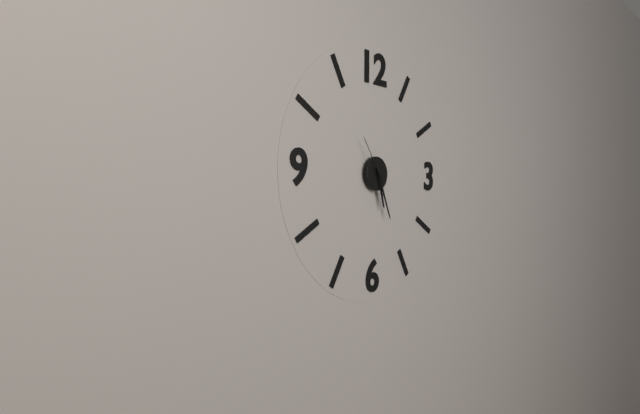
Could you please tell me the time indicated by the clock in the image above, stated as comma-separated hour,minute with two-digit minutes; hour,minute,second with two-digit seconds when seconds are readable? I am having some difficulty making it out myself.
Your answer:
5,26,54
